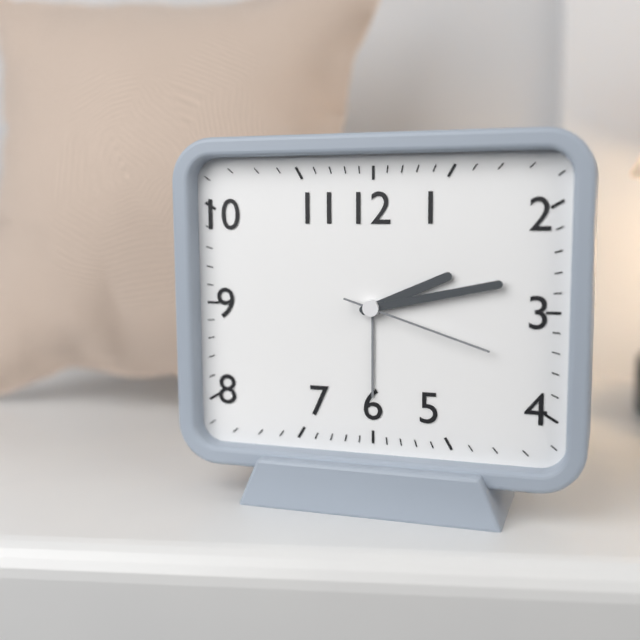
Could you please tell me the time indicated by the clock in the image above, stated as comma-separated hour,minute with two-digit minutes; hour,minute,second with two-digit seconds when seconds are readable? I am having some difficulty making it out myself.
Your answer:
2,13,18
